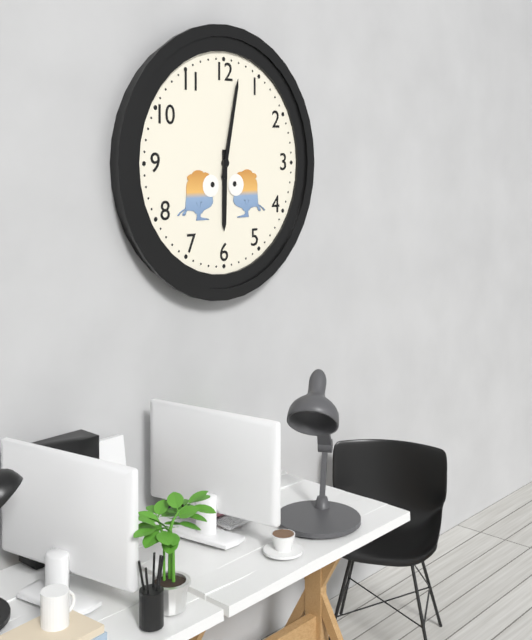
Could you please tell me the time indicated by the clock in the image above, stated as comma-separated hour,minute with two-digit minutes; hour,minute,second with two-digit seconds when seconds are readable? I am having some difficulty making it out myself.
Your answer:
6,02
